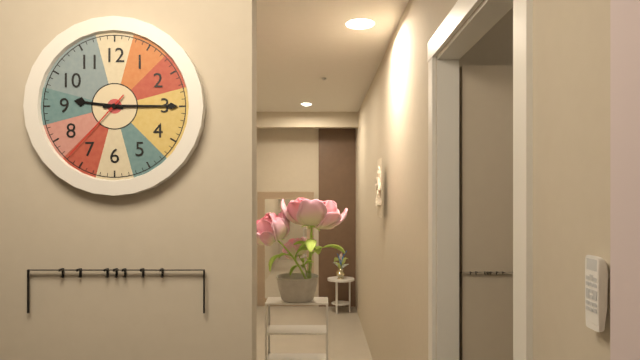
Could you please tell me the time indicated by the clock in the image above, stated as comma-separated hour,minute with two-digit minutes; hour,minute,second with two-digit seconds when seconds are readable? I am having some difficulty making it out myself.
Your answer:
9,15,37
